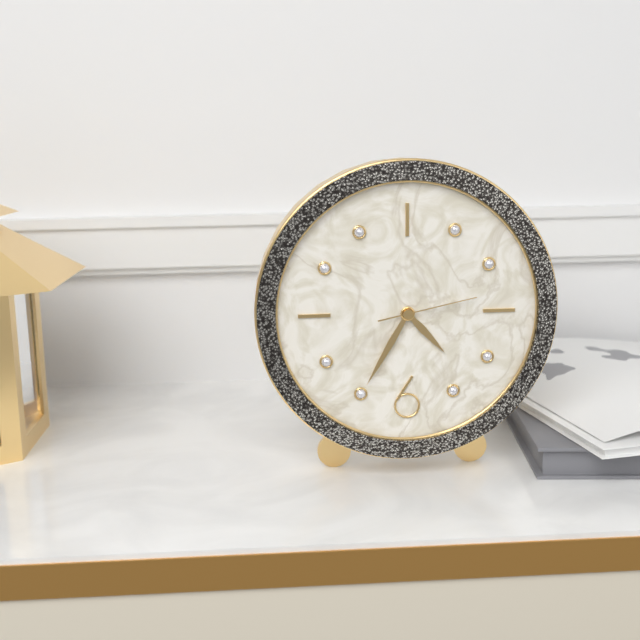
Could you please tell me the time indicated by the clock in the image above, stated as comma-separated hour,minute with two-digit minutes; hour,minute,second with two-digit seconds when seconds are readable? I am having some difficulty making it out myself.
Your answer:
4,35,13
